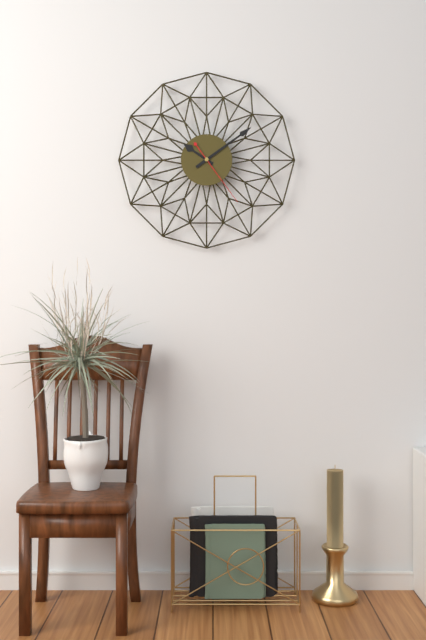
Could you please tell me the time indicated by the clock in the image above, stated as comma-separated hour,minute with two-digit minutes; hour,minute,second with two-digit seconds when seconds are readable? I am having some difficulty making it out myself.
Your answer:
10,09,24
